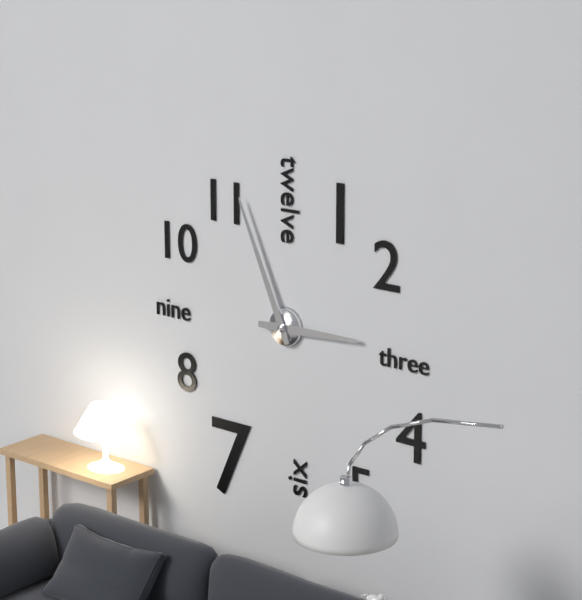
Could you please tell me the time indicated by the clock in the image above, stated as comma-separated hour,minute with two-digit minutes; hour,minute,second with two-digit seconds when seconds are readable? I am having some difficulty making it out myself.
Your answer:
2,56
